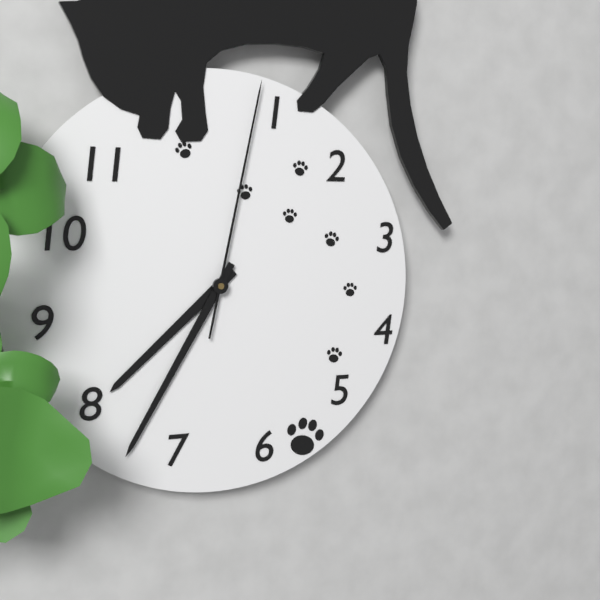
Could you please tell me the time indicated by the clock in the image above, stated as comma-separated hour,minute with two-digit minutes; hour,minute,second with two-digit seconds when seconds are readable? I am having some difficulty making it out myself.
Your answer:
7,35,02
